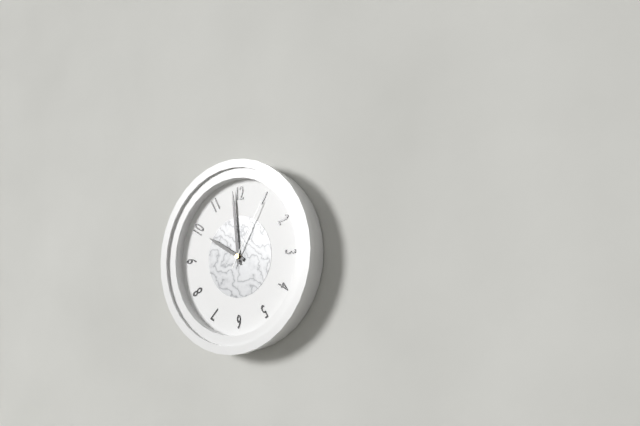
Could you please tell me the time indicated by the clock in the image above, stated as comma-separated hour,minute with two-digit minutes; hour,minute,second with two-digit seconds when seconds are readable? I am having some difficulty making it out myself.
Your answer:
9,59,05
